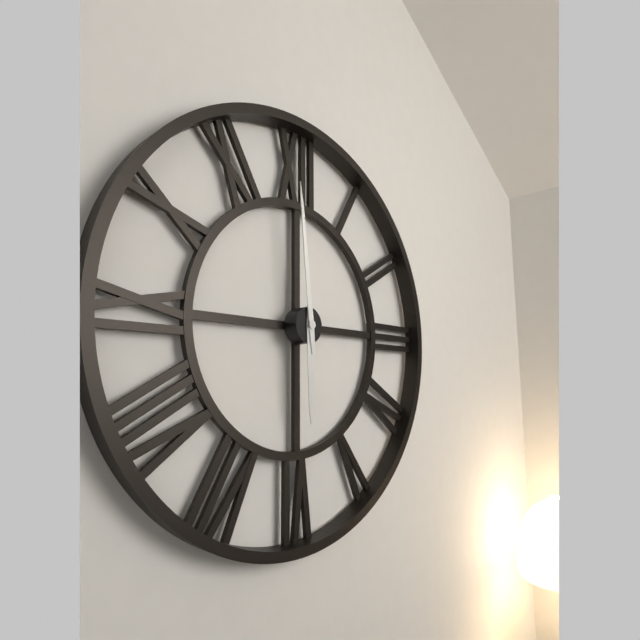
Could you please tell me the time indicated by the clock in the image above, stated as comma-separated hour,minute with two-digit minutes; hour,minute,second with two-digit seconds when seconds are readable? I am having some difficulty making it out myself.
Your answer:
5,59
